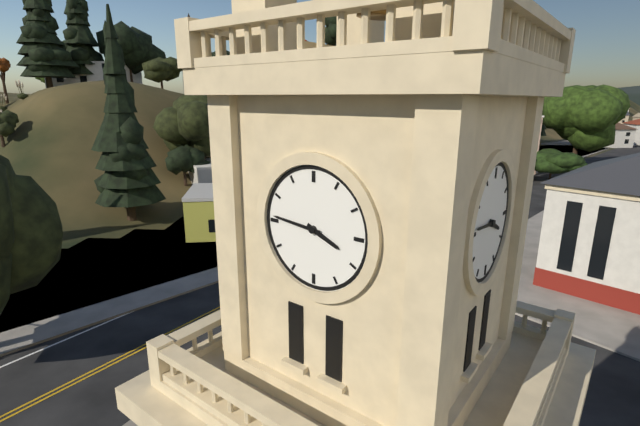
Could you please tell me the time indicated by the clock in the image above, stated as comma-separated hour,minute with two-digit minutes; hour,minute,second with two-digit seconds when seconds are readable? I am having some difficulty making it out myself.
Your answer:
3,46
